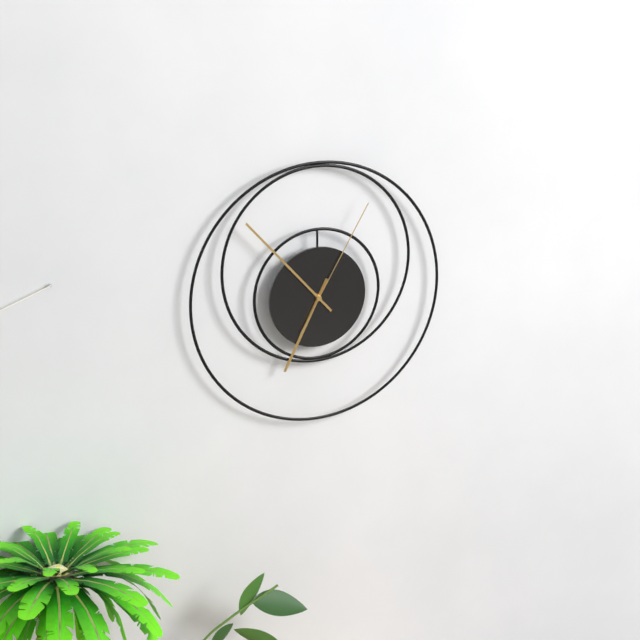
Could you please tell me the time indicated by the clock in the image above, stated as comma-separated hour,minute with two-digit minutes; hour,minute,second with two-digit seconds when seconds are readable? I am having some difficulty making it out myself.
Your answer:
6,53,05
